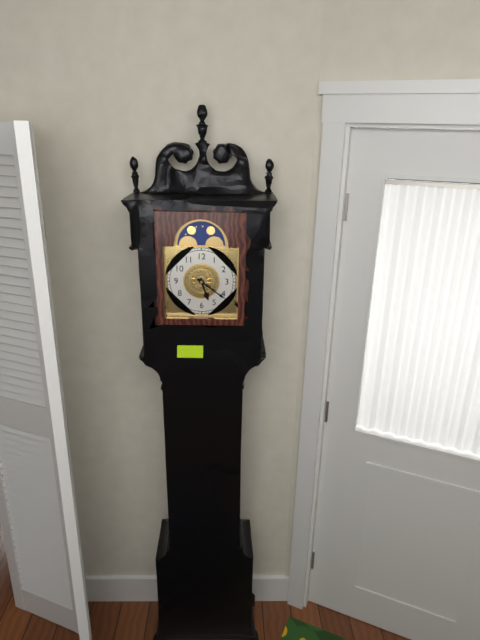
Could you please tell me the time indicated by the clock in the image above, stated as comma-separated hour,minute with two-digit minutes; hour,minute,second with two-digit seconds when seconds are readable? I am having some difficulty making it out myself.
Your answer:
5,21
